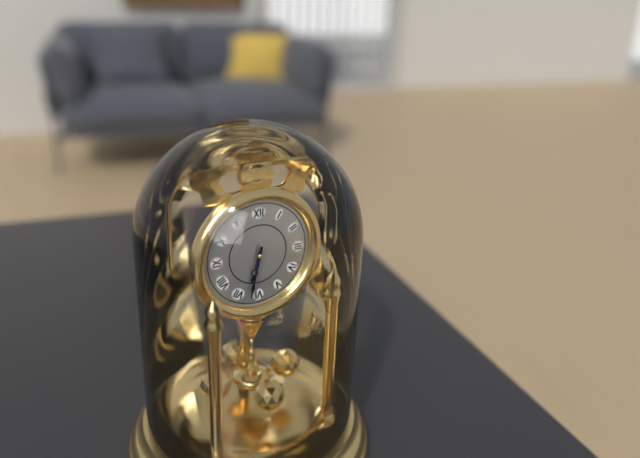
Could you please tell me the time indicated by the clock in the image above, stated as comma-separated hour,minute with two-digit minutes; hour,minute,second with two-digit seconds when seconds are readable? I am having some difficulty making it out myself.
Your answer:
6,32
